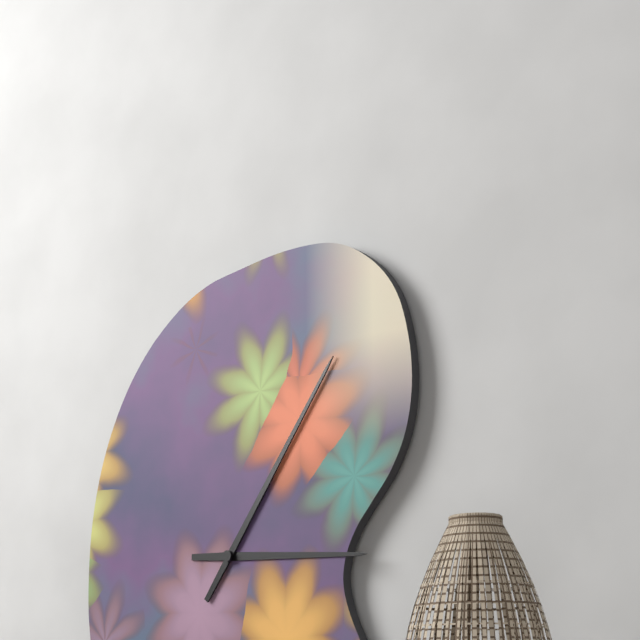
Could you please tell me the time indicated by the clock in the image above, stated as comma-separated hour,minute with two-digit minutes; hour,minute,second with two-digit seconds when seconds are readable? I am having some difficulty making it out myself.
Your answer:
3,06
